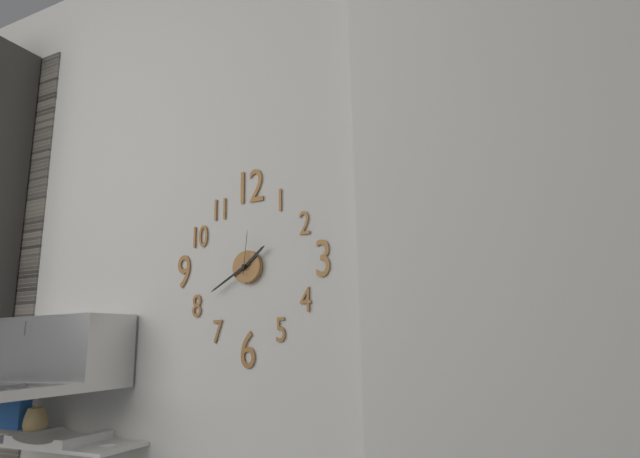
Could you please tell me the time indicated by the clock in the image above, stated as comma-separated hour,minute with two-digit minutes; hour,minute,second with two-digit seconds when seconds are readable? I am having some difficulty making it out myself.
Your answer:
1,40
